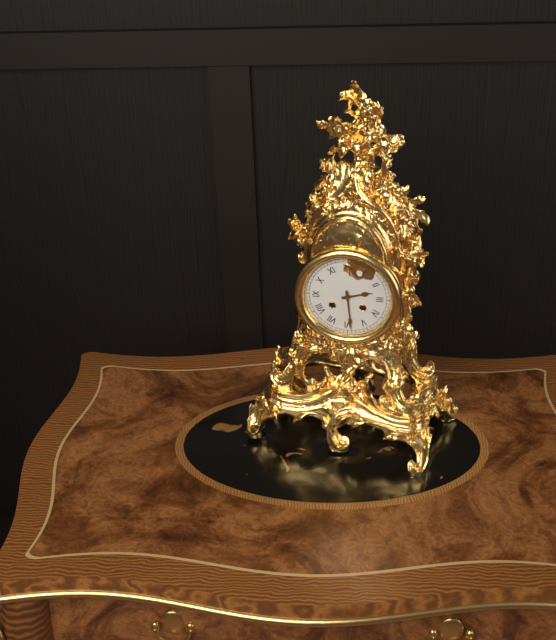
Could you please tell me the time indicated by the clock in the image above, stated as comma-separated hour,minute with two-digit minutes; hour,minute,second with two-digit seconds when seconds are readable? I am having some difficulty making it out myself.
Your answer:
2,29
